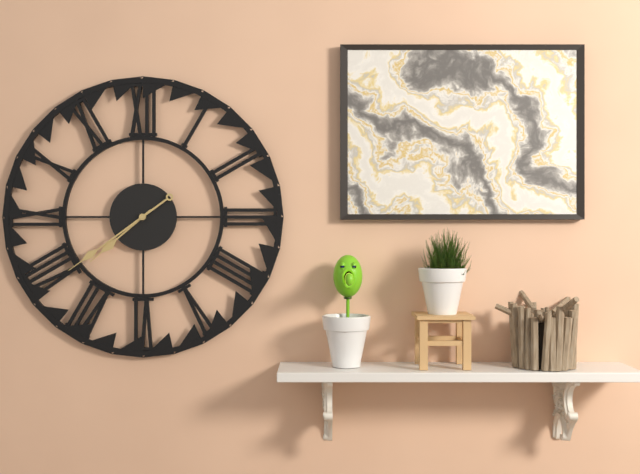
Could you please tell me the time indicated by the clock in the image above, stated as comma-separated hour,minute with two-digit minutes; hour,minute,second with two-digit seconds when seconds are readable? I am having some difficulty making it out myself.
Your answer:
7,39
